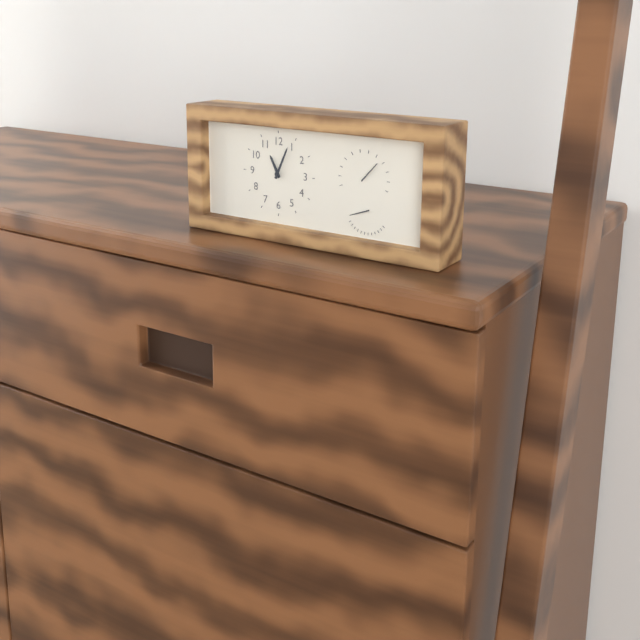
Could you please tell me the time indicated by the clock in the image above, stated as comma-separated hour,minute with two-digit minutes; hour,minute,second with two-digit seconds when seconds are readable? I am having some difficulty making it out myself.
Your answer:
11,04
